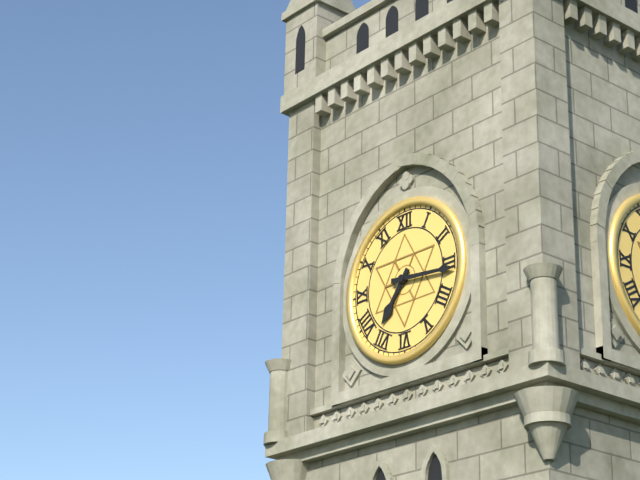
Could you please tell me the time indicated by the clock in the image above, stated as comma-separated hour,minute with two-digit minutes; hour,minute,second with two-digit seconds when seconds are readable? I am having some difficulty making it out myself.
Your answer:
7,16
